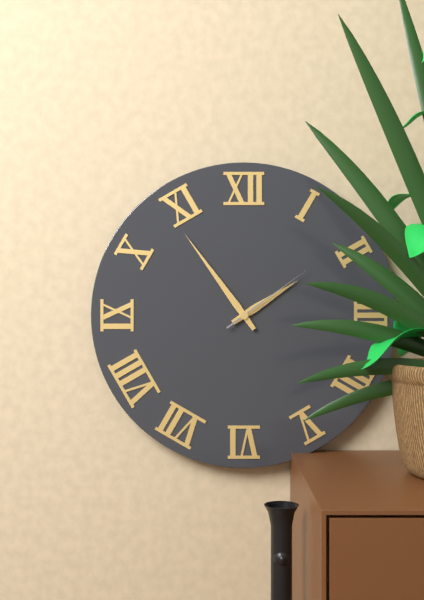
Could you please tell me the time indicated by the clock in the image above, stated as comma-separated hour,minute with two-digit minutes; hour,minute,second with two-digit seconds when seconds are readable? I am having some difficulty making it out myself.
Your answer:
1,54,09
